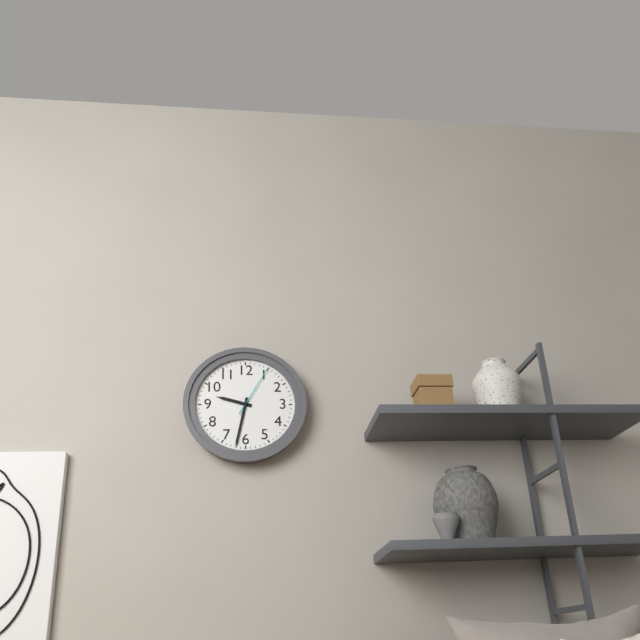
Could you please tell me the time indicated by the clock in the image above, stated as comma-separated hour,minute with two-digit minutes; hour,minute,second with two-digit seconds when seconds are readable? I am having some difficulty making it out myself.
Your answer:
9,32,05
